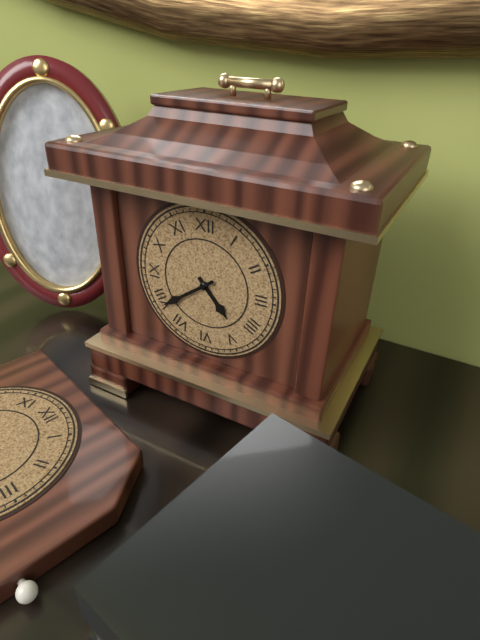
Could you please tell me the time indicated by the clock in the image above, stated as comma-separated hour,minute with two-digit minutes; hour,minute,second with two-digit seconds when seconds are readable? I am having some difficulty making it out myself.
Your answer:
4,39
